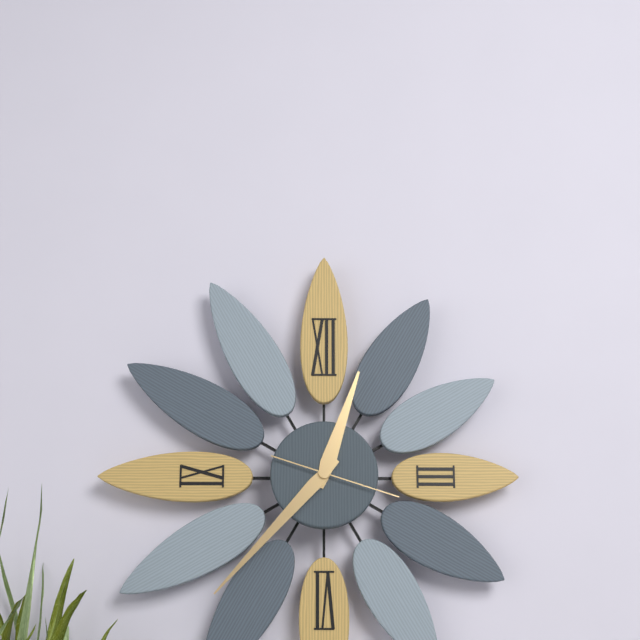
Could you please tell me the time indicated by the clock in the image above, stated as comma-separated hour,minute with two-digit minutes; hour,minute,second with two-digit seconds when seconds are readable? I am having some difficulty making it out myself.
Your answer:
12,37,18
